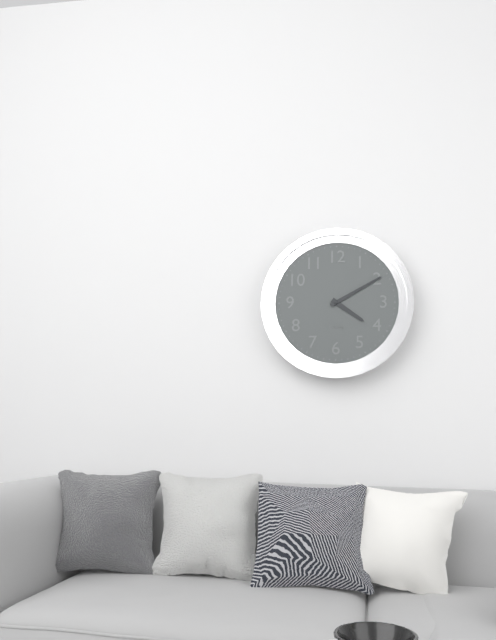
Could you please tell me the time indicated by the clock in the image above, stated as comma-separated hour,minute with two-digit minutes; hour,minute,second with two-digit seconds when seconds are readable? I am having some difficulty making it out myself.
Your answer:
4,10
